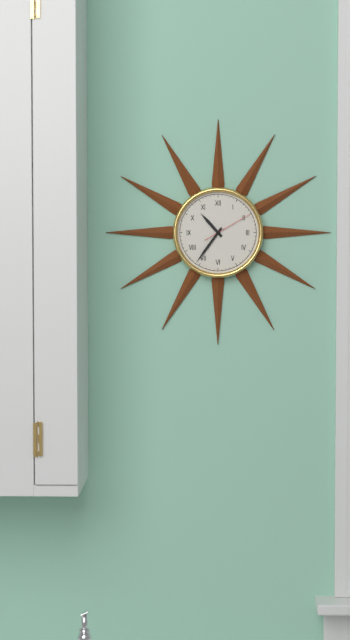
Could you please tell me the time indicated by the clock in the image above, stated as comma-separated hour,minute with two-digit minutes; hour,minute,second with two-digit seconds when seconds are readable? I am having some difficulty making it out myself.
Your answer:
10,36
